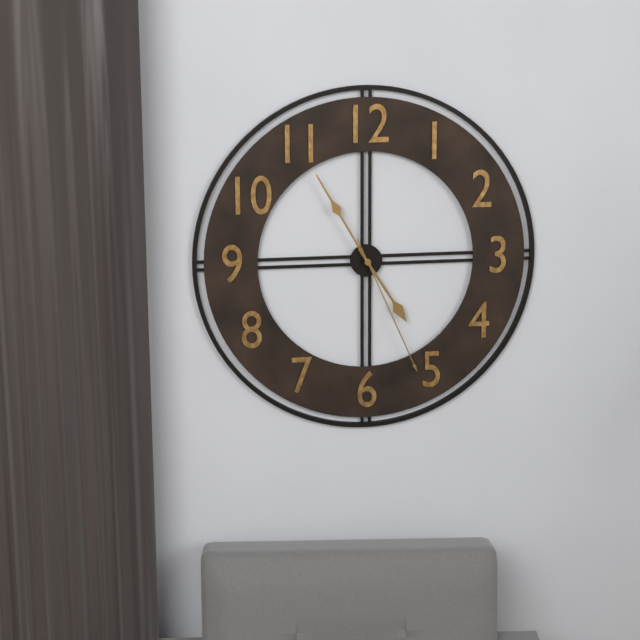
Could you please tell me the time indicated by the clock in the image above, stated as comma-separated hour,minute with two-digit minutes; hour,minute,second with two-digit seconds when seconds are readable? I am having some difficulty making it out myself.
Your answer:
4,55,26
